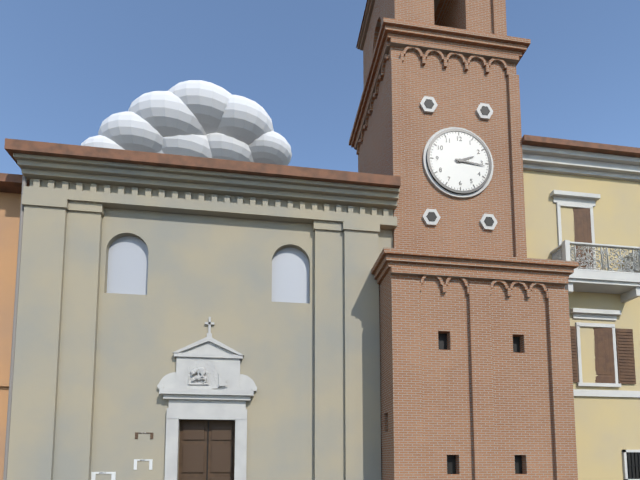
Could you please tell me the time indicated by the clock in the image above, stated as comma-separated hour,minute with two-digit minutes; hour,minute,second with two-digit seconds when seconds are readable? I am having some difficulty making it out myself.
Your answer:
2,16
